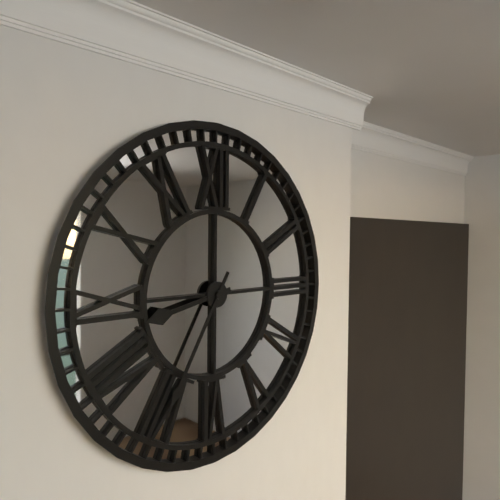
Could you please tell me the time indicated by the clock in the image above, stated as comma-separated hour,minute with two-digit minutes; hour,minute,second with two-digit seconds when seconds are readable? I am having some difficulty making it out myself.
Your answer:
8,35
